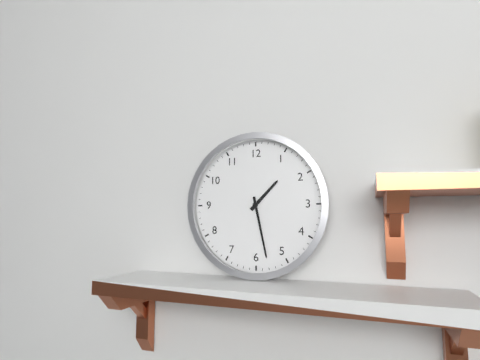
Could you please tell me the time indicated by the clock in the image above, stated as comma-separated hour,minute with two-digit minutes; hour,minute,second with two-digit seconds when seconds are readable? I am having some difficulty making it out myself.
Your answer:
1,28
